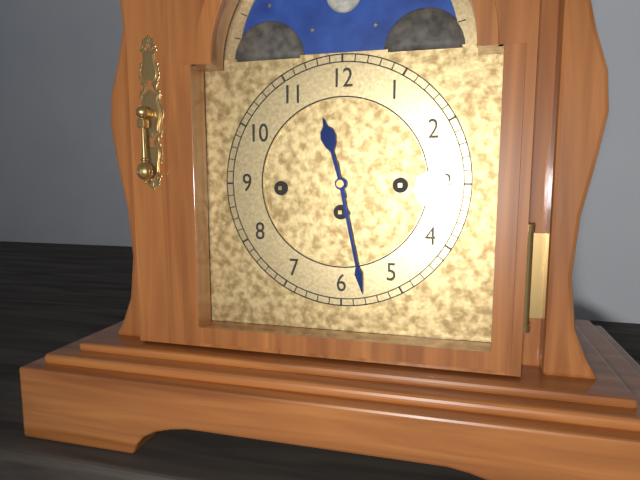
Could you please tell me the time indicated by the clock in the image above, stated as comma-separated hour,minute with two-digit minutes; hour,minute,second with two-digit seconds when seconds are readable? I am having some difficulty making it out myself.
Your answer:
11,28
